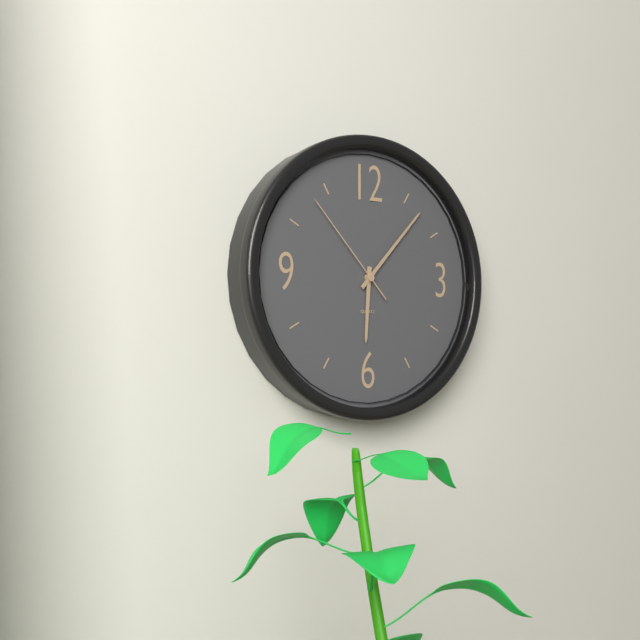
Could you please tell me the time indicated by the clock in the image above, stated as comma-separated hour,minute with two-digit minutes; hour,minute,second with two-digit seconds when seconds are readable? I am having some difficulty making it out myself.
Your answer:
6,07,53
